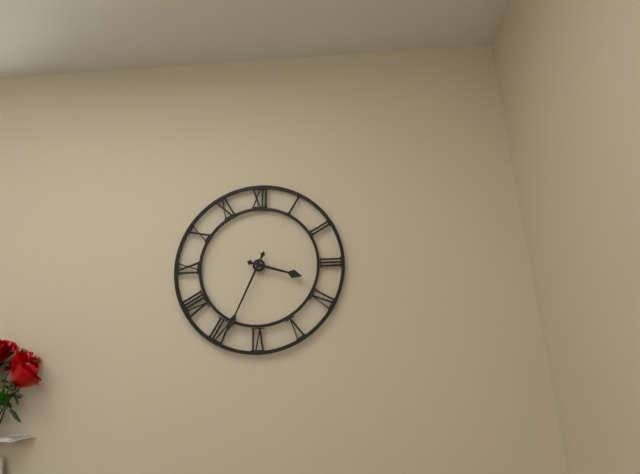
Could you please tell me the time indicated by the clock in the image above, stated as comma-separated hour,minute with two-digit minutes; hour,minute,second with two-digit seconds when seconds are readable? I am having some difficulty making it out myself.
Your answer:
3,34
